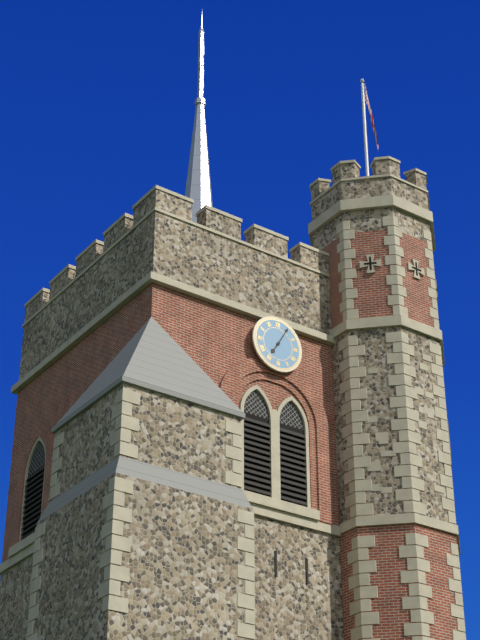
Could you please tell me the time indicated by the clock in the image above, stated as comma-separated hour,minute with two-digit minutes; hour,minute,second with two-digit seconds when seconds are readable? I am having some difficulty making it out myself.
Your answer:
7,05
